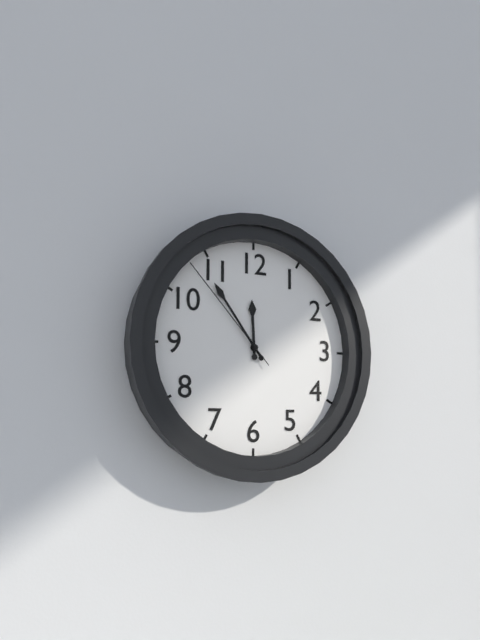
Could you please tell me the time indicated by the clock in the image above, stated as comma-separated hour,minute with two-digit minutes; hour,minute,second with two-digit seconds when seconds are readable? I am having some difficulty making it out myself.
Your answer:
11,54,53
